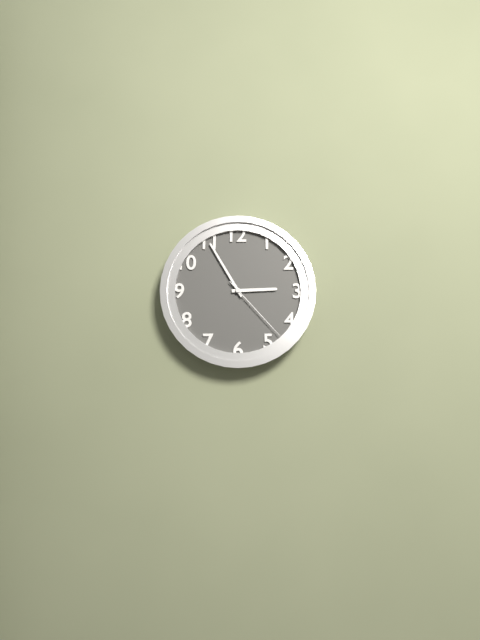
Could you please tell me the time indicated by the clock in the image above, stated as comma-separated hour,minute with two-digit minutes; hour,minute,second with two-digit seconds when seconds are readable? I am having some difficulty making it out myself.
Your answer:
2,55,23
